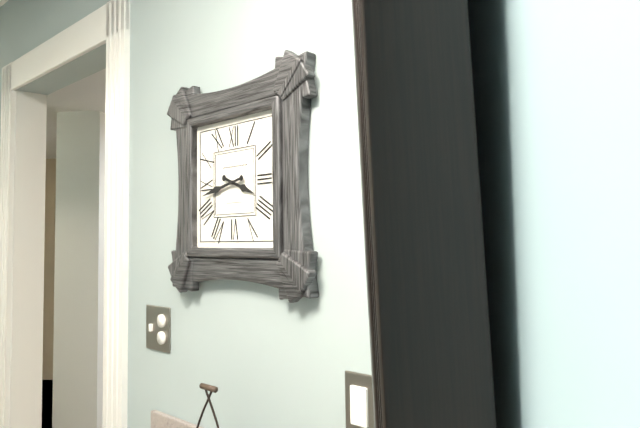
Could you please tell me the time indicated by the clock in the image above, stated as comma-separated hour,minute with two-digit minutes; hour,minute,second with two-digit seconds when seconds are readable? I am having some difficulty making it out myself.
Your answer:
3,43
